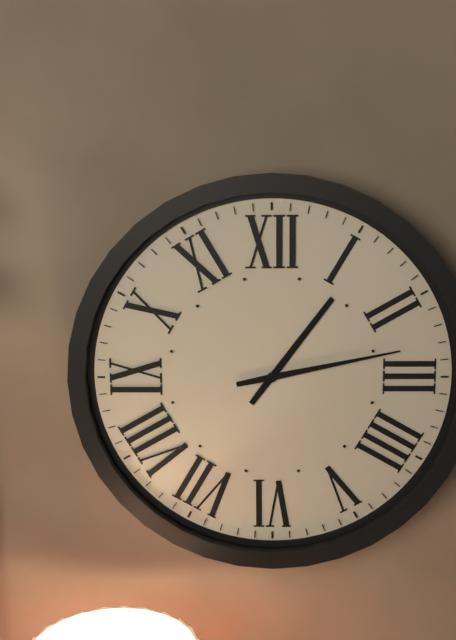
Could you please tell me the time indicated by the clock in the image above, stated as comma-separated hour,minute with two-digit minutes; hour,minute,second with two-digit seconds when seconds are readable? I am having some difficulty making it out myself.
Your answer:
1,13
